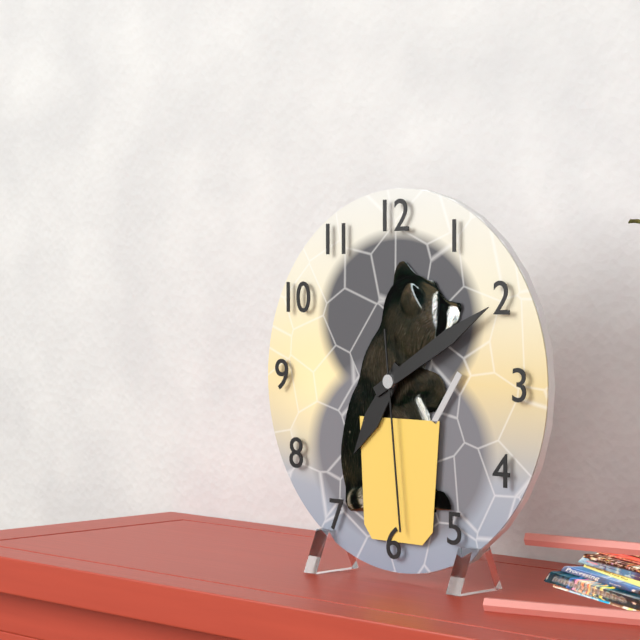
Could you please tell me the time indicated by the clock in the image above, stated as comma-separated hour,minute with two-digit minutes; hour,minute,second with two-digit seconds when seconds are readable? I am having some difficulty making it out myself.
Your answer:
7,10,29
